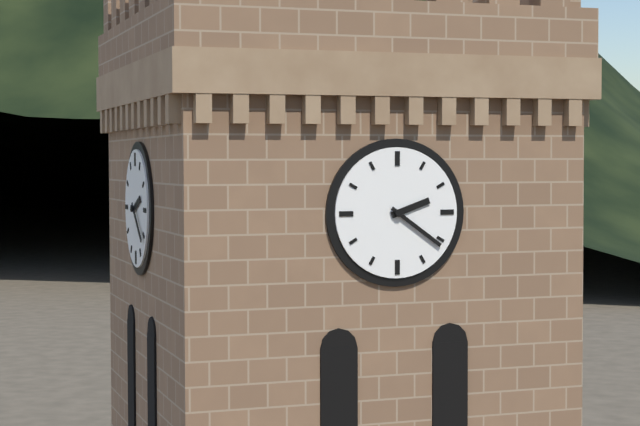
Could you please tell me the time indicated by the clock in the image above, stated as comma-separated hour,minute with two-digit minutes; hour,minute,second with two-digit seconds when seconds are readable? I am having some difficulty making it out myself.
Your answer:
2,21
